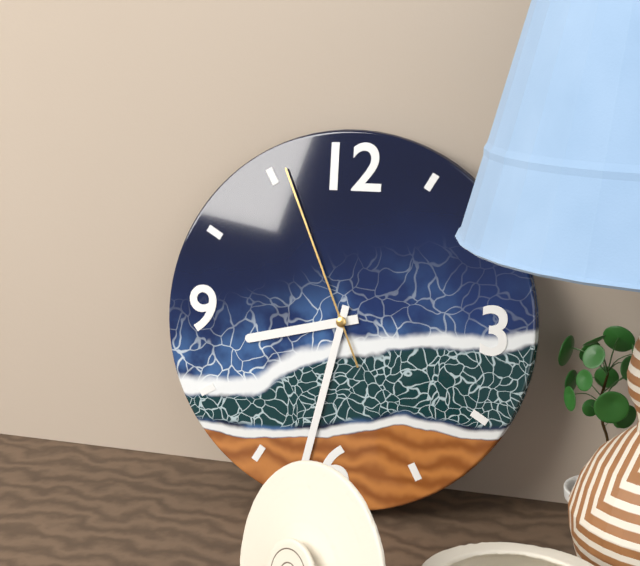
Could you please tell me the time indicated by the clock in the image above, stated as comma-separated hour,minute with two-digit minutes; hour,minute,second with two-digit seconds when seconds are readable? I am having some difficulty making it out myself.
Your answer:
8,32,56
